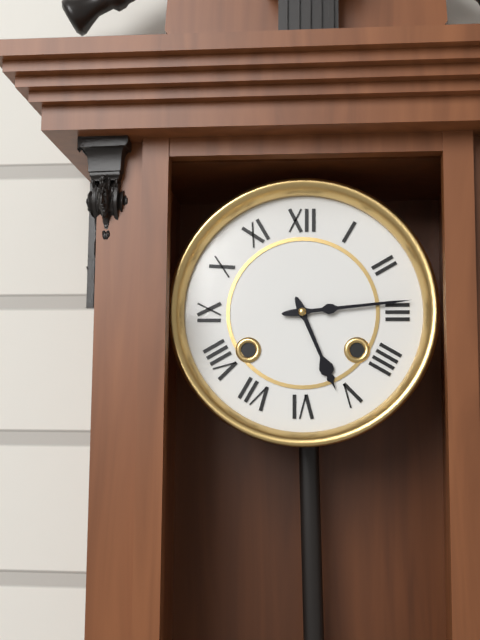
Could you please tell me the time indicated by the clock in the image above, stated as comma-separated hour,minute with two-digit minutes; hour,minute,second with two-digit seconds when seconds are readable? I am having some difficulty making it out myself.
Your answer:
5,14
